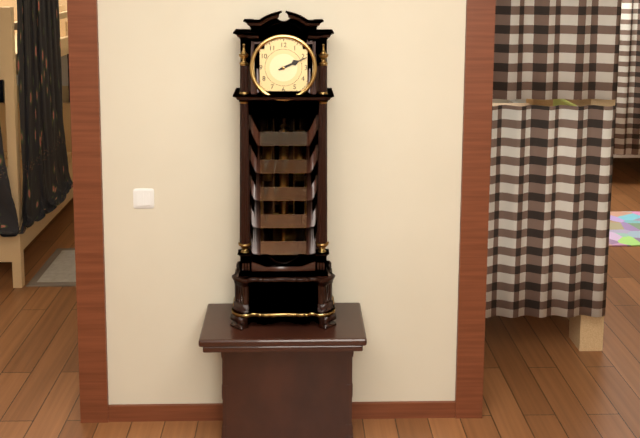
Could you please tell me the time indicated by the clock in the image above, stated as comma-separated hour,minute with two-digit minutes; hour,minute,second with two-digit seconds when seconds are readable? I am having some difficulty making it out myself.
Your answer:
2,11
